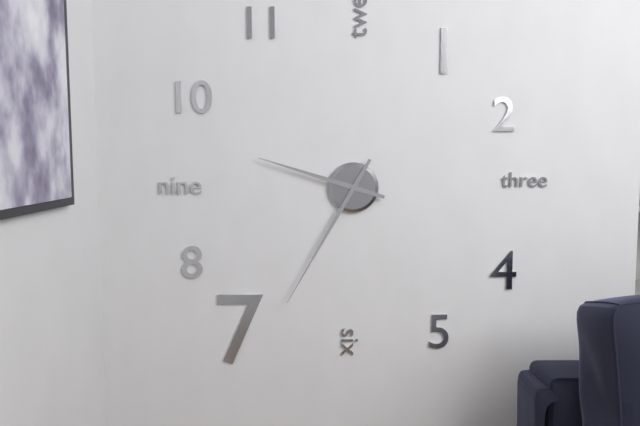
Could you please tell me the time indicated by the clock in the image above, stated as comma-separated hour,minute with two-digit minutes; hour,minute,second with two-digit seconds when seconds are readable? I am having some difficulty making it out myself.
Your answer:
9,35
